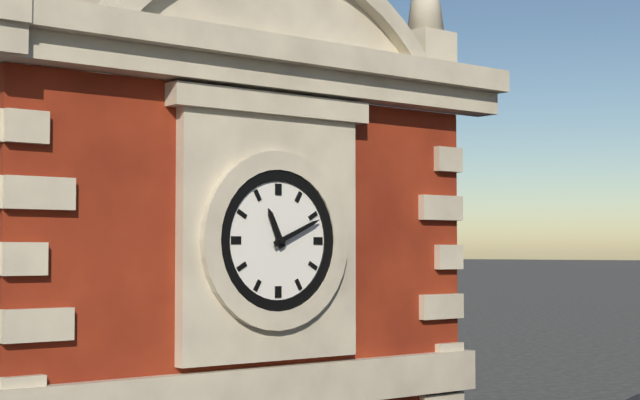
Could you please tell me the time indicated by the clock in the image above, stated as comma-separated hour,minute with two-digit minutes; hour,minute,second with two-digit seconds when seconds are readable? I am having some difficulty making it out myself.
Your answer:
11,11
